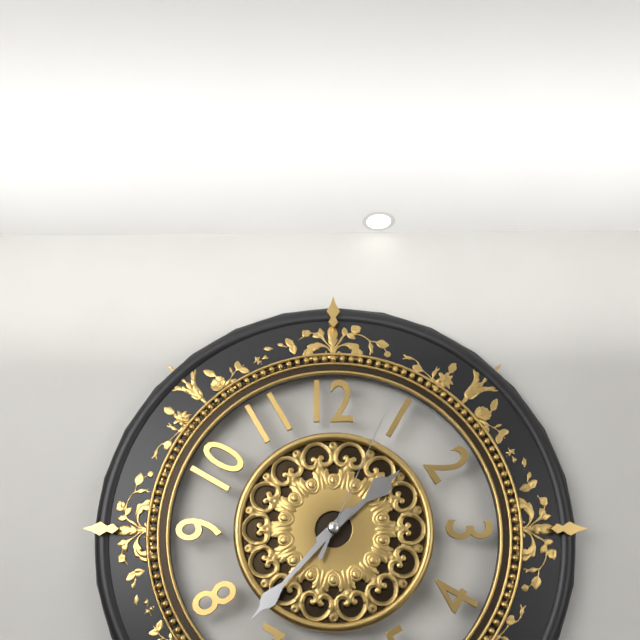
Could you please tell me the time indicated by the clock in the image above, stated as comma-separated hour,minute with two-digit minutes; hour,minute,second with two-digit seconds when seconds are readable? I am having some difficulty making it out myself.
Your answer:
1,37,04
